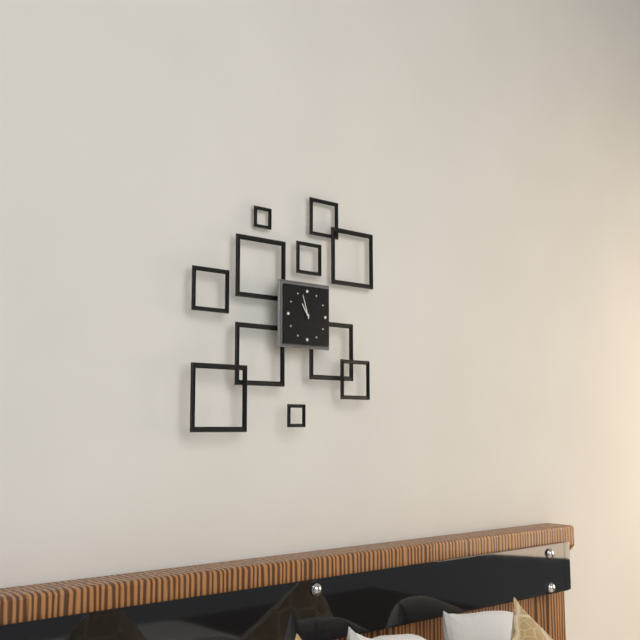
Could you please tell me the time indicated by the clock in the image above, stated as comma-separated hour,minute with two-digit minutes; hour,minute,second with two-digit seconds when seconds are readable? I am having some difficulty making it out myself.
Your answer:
10,57
